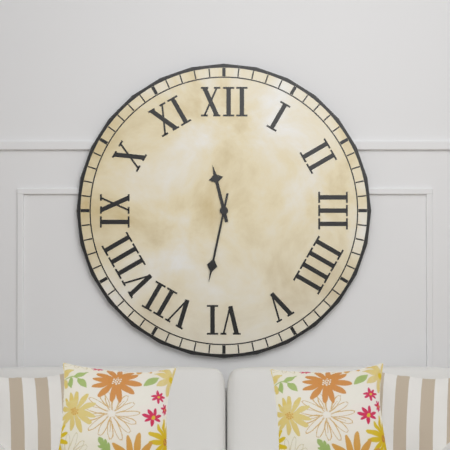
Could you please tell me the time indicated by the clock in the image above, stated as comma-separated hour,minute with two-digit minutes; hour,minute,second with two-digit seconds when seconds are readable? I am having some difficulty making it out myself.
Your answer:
11,32
